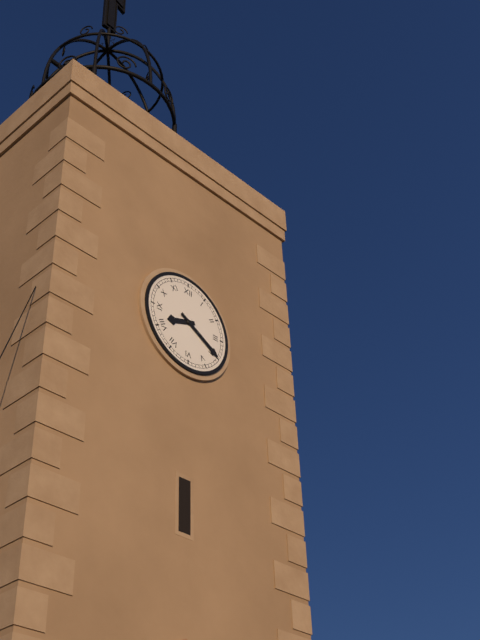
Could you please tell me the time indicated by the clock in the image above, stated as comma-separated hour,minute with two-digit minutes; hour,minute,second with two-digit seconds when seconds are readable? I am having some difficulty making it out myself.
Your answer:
8,20
